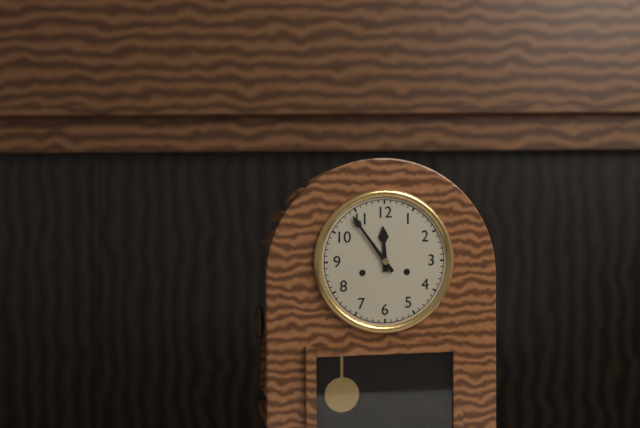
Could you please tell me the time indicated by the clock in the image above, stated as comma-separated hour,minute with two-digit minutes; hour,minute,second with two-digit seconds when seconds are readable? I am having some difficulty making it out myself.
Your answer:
11,54
